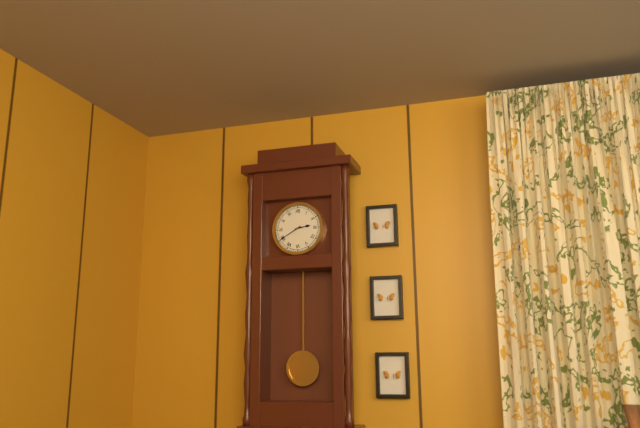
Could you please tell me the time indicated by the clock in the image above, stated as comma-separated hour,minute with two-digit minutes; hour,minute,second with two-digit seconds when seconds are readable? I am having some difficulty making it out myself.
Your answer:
2,40
